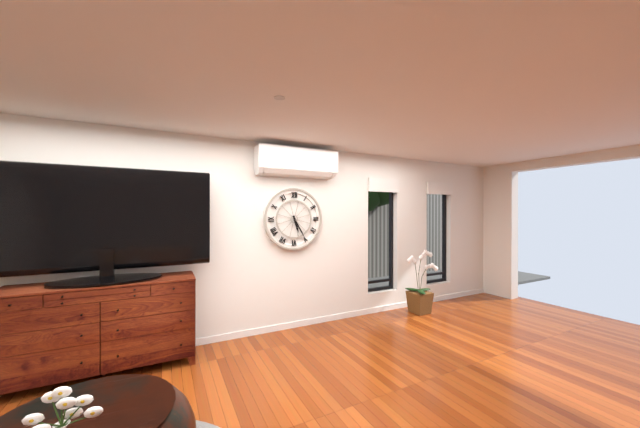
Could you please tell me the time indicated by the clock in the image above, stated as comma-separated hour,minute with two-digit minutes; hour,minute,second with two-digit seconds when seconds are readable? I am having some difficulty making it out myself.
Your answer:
5,25
